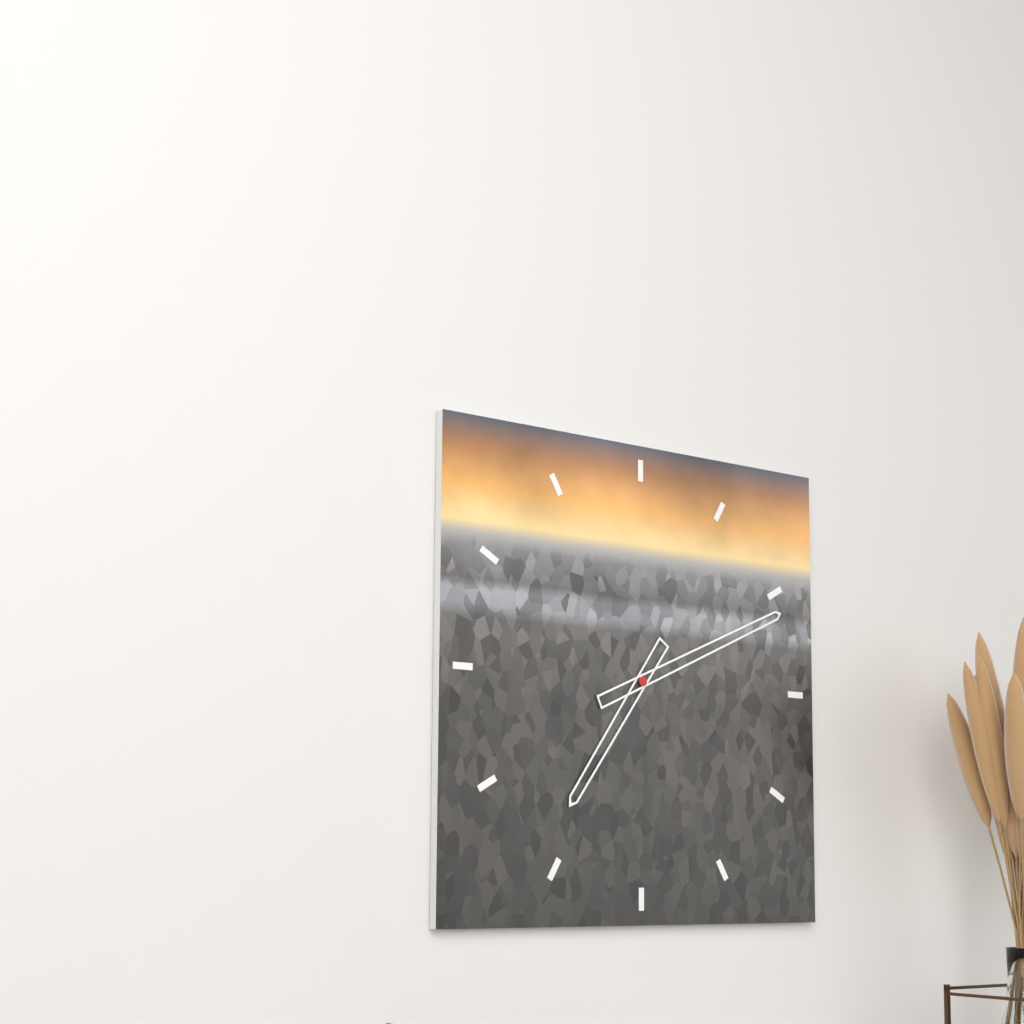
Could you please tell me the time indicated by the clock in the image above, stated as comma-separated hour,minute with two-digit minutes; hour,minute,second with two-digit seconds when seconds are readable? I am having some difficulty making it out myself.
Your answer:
7,11
